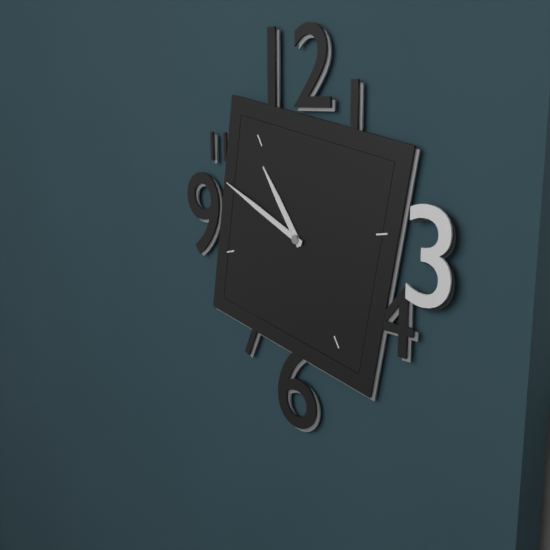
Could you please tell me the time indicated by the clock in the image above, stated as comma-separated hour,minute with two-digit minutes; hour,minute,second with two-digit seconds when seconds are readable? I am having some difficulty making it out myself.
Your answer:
10,49
